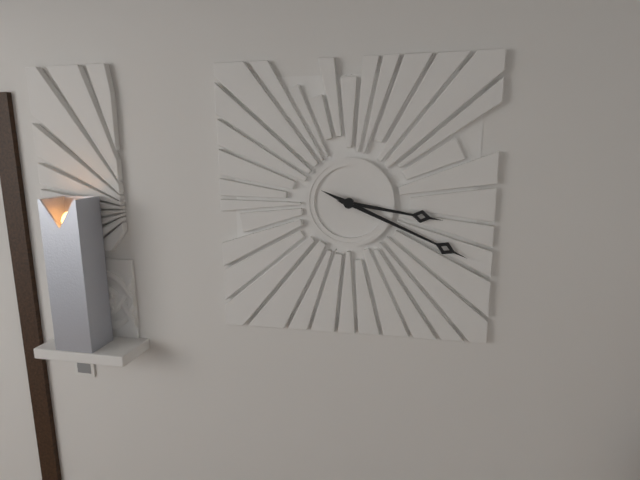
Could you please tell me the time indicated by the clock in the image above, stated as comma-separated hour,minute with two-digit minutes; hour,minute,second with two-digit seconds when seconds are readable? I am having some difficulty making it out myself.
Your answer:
3,19
